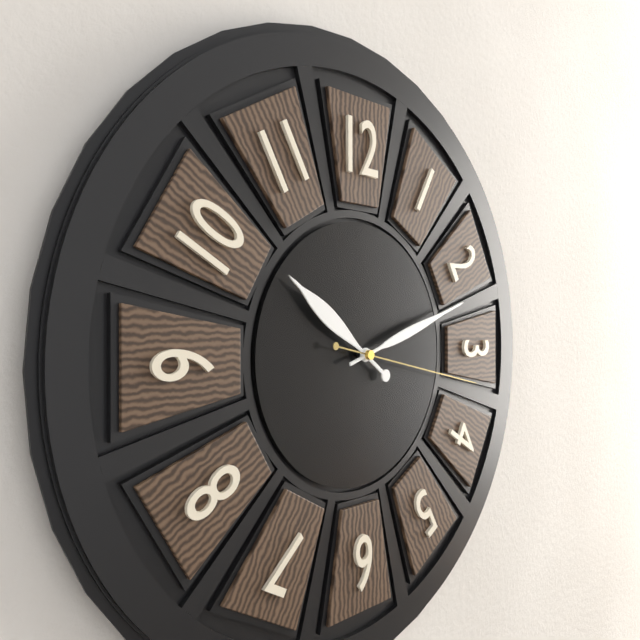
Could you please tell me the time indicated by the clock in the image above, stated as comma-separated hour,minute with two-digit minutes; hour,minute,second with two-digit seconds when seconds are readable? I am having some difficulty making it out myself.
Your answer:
10,12,17
